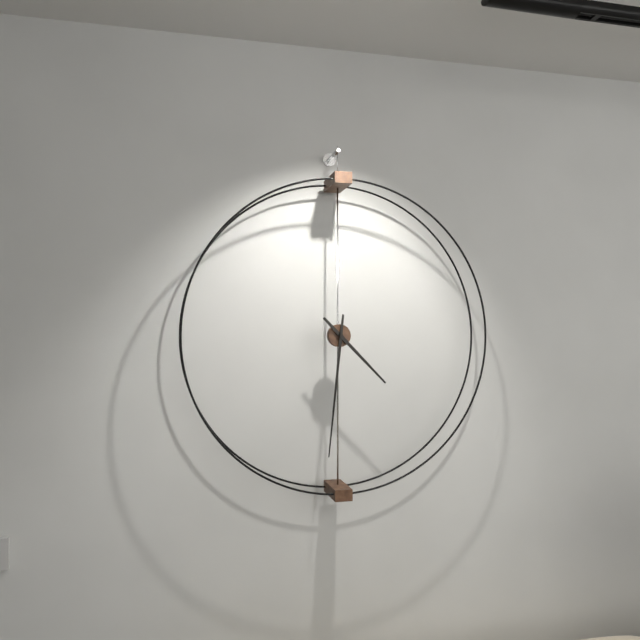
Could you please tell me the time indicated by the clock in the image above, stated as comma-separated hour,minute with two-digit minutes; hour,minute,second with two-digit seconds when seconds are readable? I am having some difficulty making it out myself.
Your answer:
4,31
